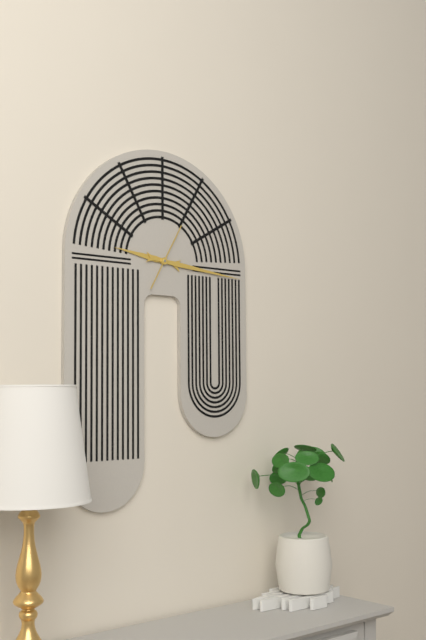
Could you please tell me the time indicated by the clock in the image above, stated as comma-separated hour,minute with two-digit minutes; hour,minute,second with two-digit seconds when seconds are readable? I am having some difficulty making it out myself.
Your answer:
9,16
